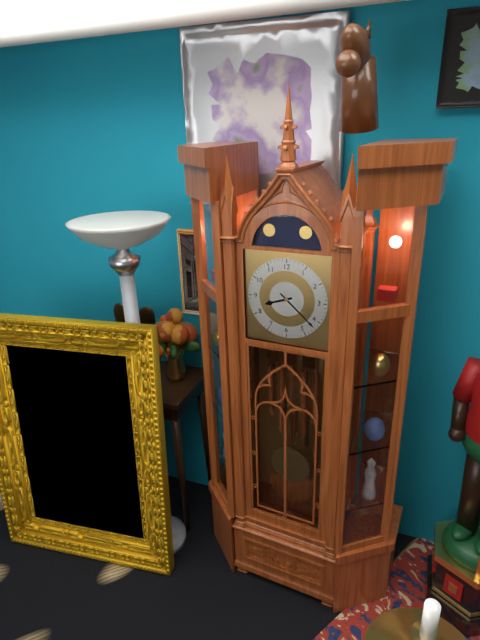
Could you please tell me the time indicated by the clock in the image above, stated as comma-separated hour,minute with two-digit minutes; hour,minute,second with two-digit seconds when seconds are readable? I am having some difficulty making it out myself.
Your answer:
8,22
